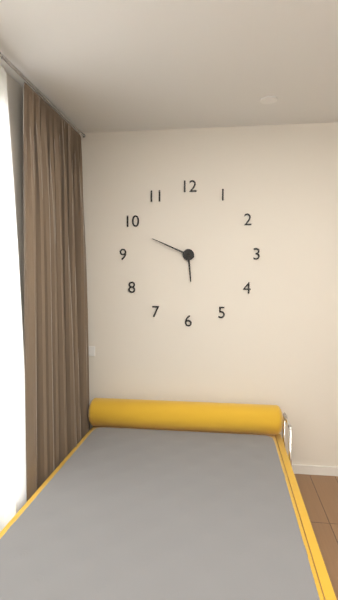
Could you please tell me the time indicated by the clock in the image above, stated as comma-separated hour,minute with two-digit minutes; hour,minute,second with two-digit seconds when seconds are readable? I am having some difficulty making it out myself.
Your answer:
5,49
